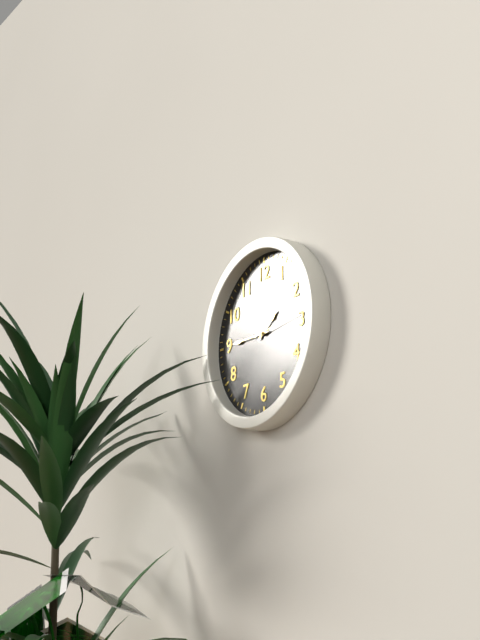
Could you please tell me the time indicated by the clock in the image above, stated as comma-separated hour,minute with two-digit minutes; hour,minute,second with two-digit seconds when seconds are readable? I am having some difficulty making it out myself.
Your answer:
1,45,14
